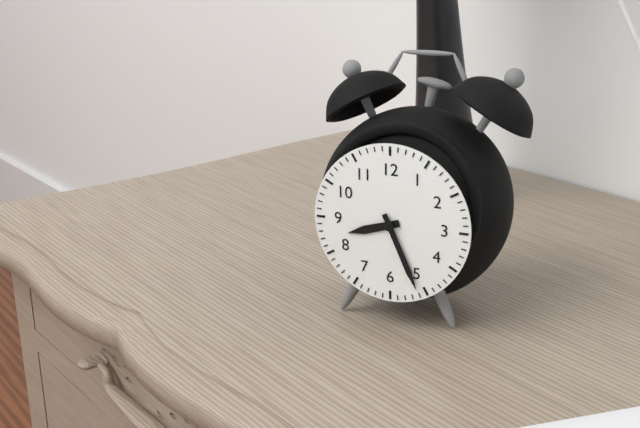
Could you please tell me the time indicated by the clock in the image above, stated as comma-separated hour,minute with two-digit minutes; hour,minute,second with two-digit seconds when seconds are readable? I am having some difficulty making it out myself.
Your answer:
8,26
